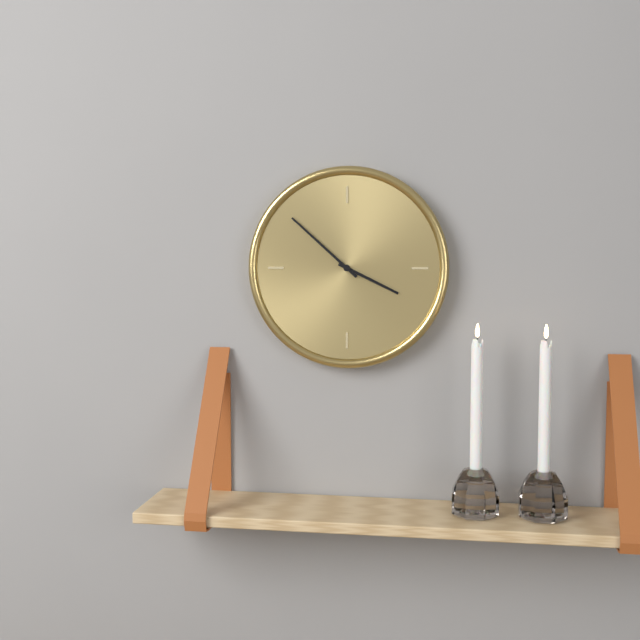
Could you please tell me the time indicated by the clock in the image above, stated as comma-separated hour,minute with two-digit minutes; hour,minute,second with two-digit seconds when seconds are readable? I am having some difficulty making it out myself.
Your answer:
3,52
